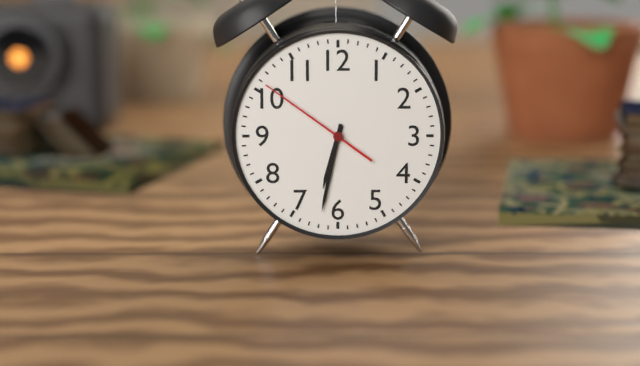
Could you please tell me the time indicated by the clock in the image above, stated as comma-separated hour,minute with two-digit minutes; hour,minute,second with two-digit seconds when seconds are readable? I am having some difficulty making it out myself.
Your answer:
6,32,51
